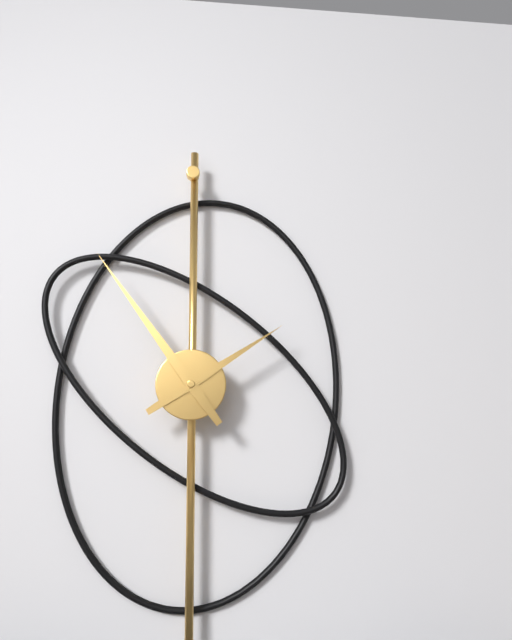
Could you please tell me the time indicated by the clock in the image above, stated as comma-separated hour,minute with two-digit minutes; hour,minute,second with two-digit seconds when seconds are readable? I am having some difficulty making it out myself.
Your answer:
1,54
